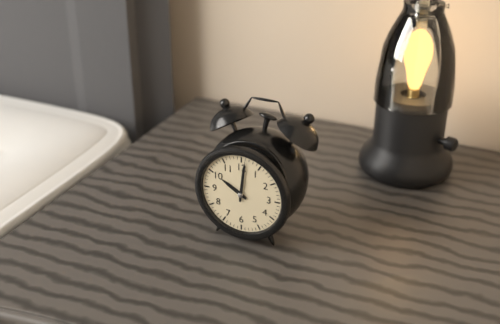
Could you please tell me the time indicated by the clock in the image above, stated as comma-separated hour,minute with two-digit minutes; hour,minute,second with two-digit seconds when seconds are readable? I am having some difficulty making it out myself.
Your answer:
10,01
